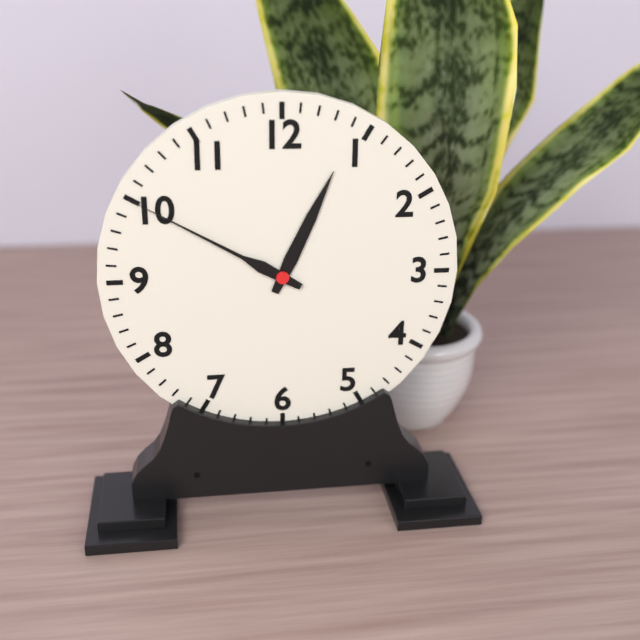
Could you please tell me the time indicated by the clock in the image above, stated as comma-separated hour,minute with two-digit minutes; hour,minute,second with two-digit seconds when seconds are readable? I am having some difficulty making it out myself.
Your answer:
12,50
